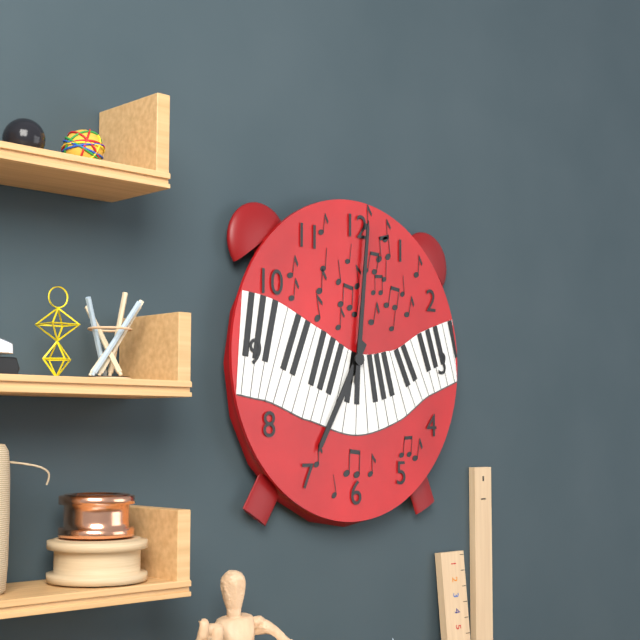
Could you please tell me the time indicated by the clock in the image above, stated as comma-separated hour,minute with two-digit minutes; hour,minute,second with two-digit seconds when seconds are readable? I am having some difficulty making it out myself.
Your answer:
7,01
